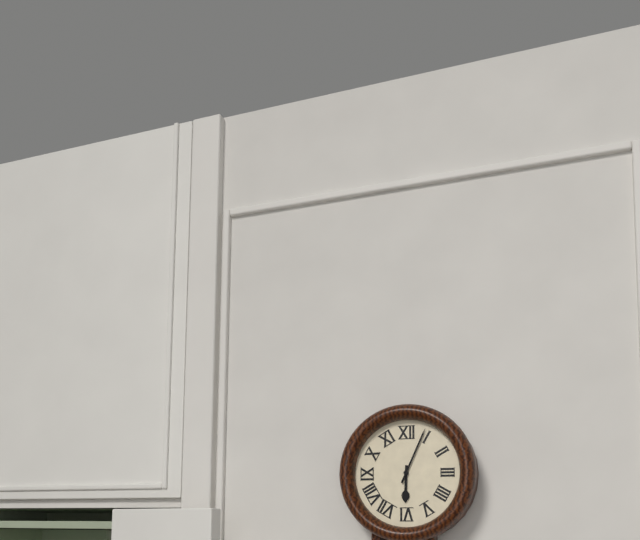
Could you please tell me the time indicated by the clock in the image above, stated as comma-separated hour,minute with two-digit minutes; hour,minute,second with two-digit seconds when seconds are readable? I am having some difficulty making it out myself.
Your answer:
6,04
